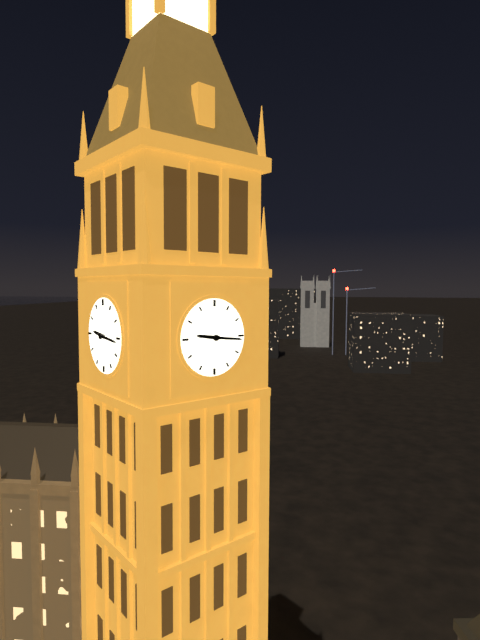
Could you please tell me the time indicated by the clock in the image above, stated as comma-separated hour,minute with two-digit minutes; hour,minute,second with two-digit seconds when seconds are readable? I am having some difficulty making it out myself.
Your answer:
9,16
